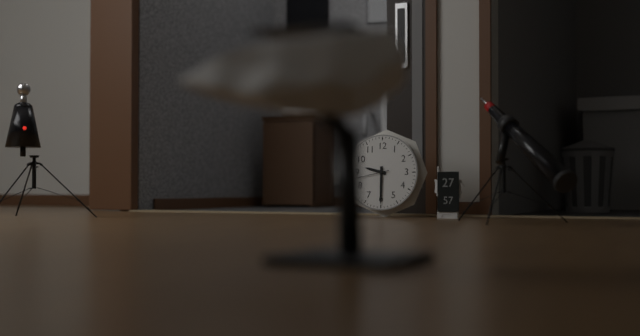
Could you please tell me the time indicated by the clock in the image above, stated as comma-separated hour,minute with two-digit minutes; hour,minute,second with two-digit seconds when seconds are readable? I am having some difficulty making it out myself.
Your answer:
9,30
